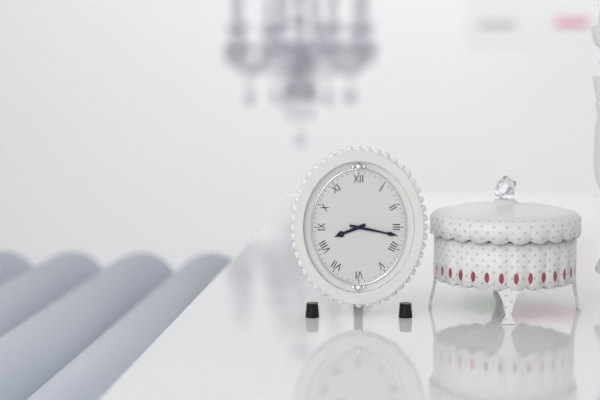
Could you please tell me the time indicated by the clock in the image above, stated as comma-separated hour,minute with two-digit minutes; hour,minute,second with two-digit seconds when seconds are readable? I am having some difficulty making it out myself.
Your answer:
8,17
